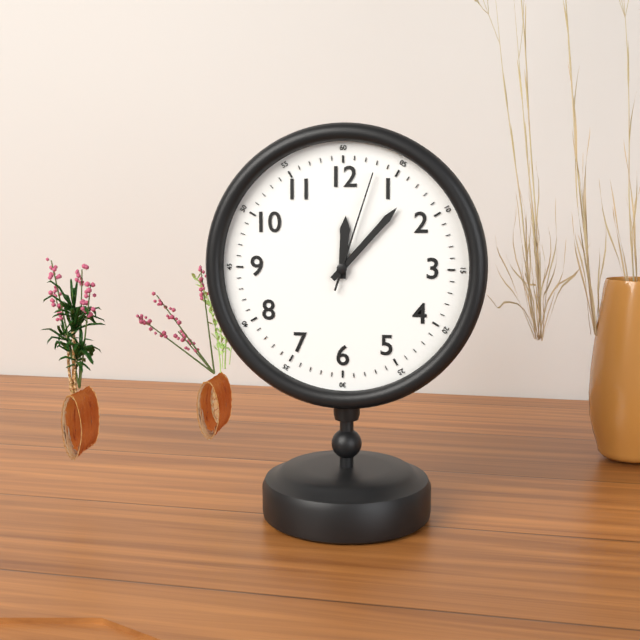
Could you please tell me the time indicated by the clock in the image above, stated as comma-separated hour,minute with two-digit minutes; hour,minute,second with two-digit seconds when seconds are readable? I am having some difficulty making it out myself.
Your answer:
12,07,03
